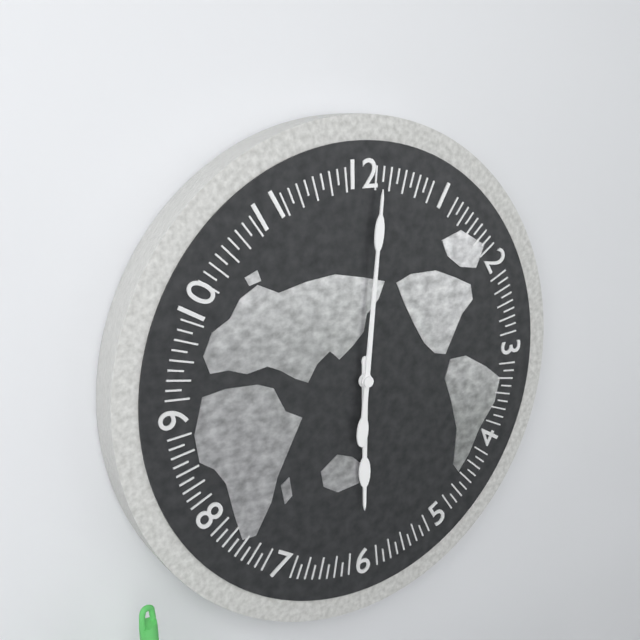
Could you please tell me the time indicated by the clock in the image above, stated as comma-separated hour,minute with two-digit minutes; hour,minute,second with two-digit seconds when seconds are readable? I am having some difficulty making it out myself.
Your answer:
6,01
